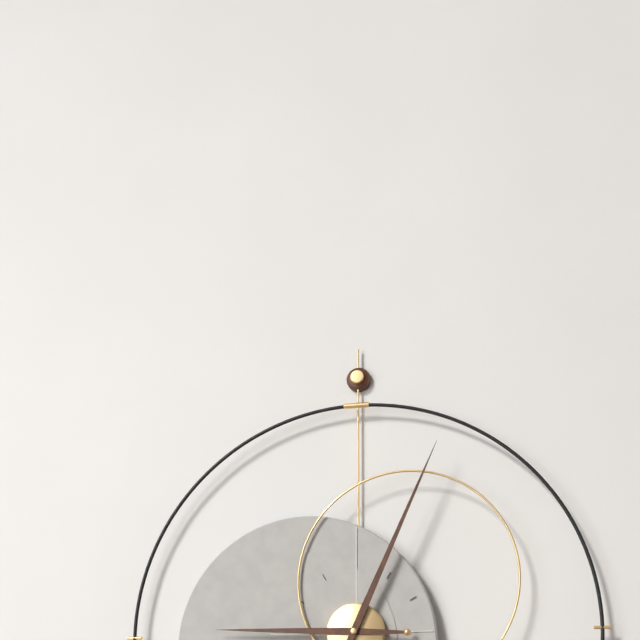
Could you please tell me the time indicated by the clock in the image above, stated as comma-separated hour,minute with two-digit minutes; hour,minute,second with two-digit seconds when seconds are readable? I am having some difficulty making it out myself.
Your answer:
9,04
